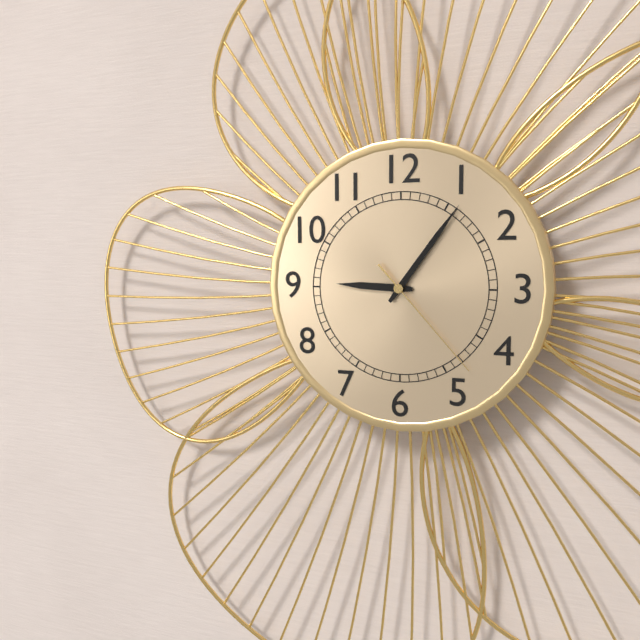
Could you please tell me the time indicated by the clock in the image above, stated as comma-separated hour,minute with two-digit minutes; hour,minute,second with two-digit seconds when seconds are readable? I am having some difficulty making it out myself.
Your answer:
9,06,23
